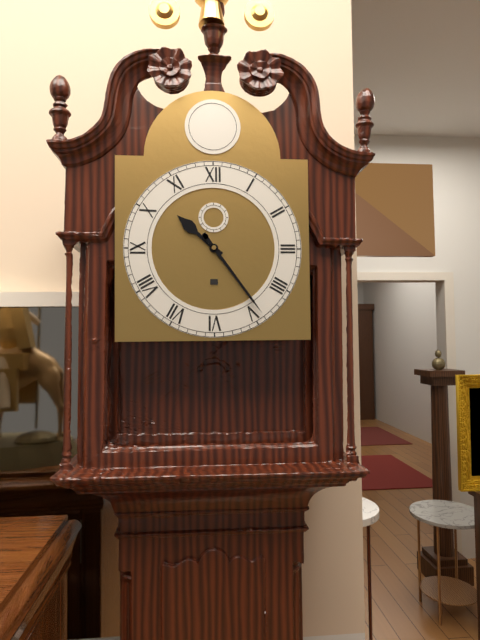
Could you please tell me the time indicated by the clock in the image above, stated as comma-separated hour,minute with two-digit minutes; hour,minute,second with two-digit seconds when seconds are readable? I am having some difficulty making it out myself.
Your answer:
10,24
